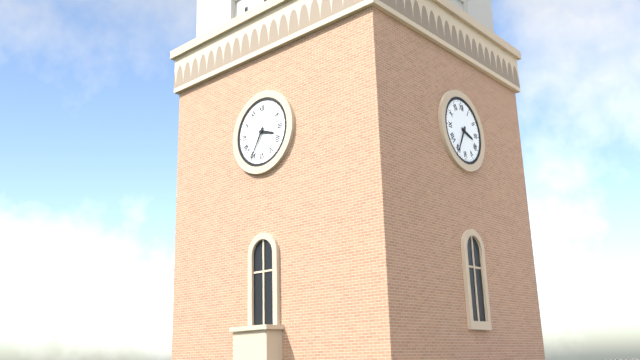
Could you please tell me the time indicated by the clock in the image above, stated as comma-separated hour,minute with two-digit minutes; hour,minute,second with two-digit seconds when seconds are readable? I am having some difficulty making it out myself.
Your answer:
3,35
